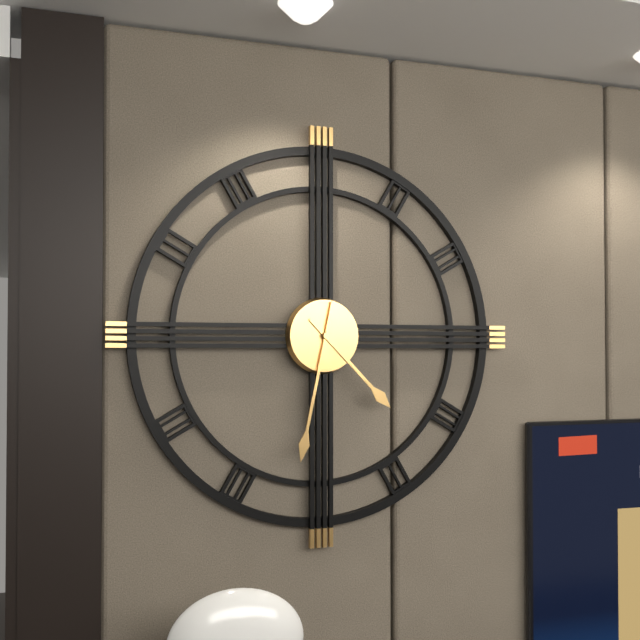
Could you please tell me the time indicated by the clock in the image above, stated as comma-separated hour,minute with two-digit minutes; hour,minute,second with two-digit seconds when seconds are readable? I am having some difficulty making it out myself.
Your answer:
4,32
